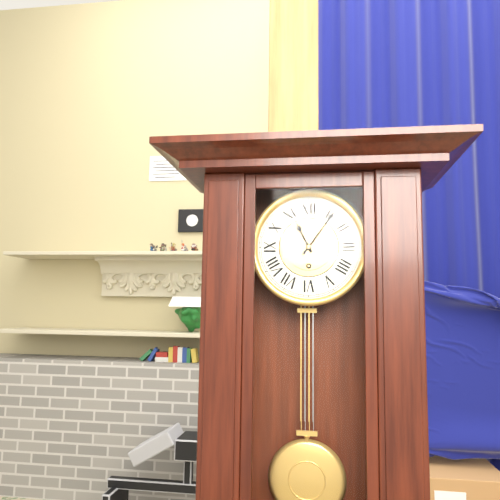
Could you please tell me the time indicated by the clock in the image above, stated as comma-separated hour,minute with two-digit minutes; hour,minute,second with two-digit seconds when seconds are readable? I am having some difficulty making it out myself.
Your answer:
11,06
